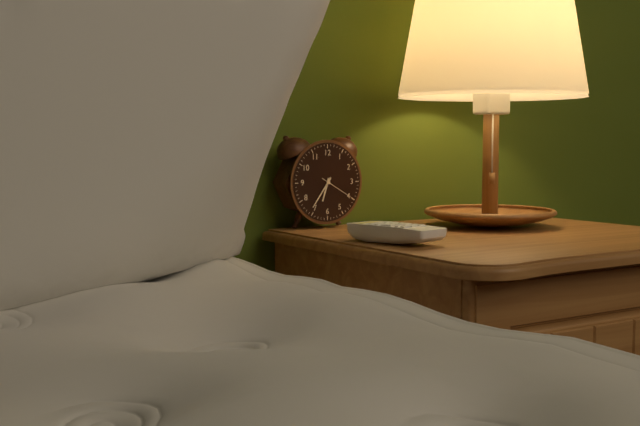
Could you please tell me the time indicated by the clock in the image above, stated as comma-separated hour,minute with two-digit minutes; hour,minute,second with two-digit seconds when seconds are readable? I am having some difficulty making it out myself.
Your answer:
6,36
